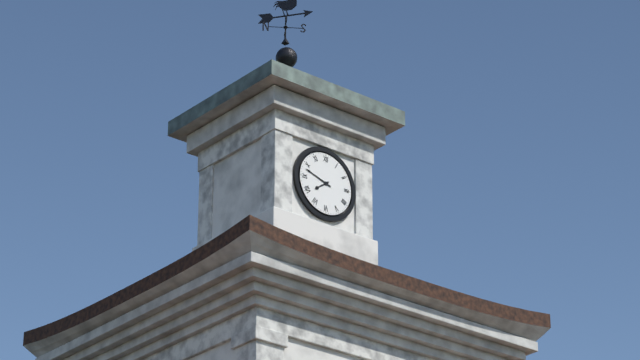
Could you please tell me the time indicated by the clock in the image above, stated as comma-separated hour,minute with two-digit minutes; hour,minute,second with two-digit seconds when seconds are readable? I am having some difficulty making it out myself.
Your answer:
7,48
